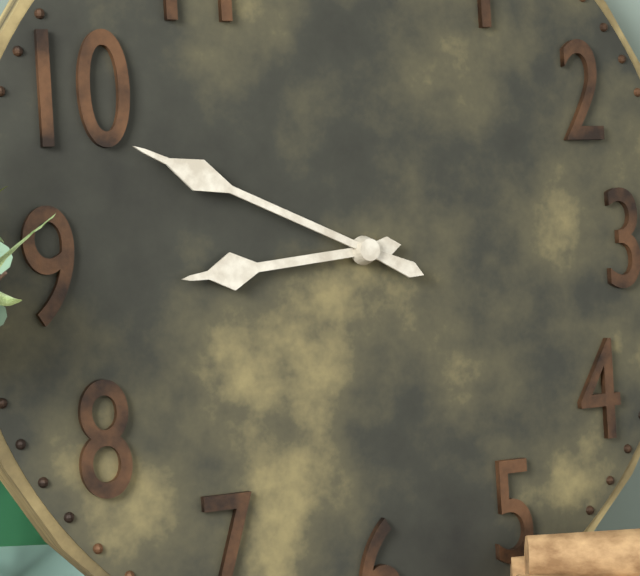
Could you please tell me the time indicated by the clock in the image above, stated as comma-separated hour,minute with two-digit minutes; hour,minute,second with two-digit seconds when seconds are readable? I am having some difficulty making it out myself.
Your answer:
8,49
